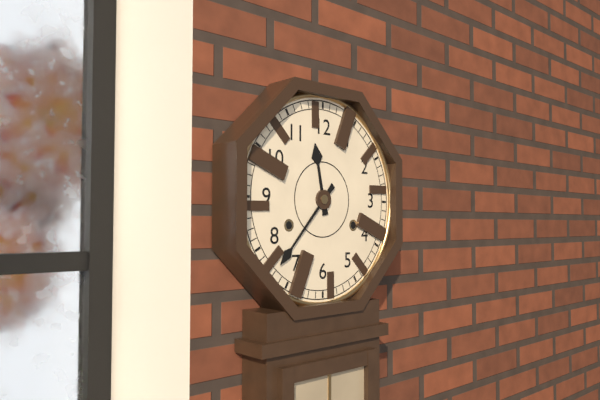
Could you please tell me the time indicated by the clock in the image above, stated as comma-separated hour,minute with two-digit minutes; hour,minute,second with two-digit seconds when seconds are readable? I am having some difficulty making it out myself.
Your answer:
11,37
